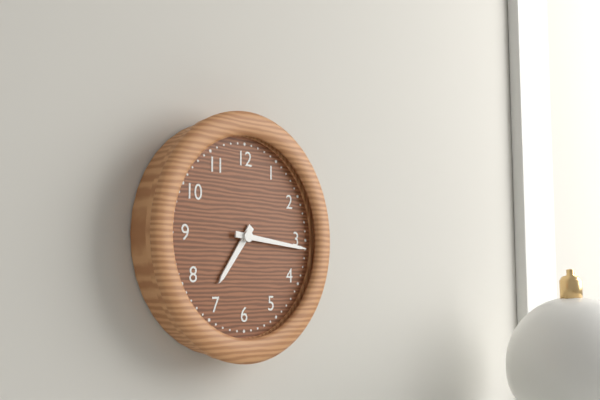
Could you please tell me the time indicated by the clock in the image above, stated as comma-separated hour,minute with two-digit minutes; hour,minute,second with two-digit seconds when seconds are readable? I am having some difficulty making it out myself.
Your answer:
7,16
